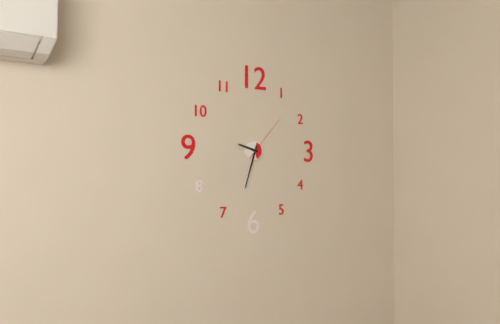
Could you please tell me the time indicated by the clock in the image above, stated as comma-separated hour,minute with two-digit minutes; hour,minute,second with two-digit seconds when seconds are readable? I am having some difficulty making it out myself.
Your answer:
9,33,07
